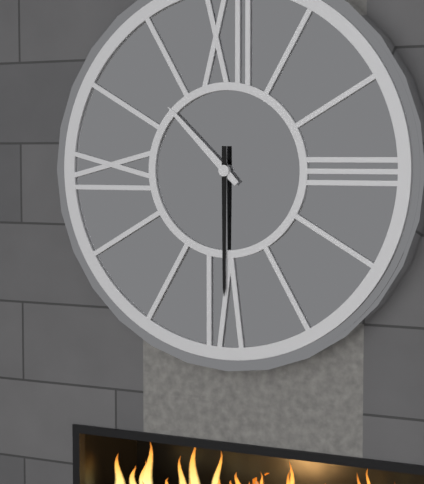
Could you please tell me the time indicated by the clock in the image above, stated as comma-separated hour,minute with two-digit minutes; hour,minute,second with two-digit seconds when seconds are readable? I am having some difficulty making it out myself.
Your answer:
10,30
